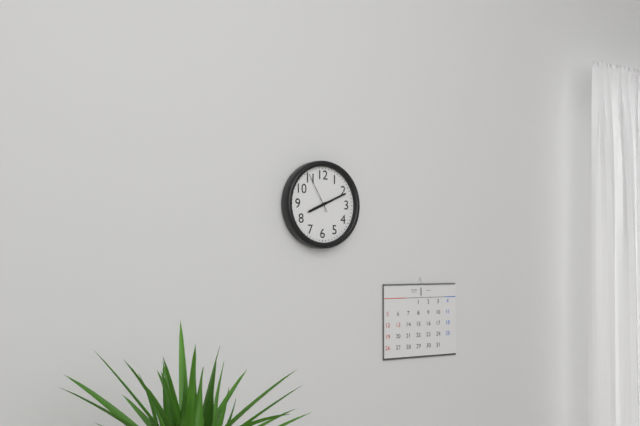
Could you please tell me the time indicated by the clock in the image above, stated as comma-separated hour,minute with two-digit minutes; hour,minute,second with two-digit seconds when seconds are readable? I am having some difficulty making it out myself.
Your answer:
8,11
